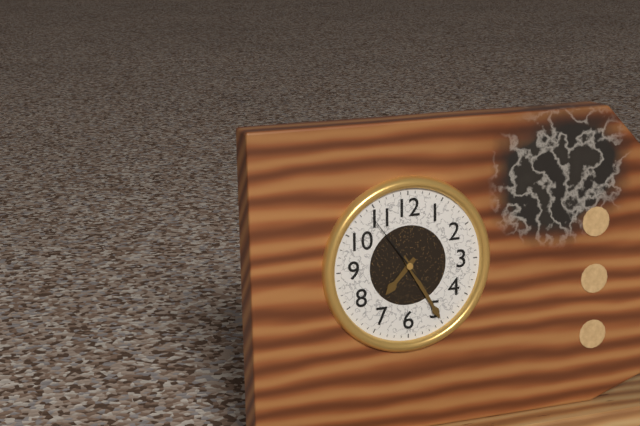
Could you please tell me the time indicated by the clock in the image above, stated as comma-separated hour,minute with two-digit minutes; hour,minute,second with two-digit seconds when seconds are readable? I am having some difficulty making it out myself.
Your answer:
7,25,54
